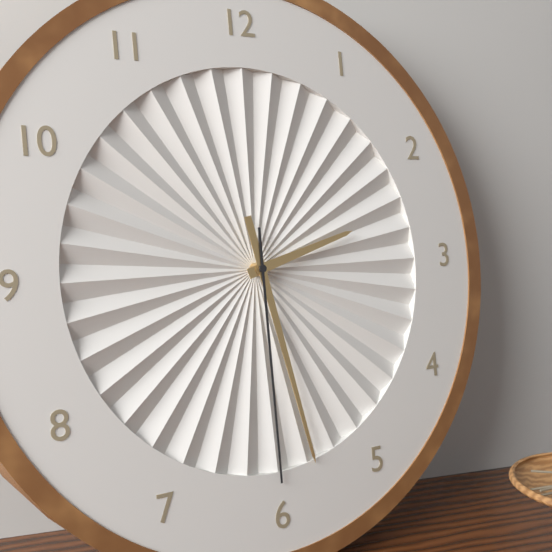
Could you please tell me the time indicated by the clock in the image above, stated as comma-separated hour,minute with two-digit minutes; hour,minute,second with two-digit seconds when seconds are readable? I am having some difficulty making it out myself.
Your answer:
2,28,30
